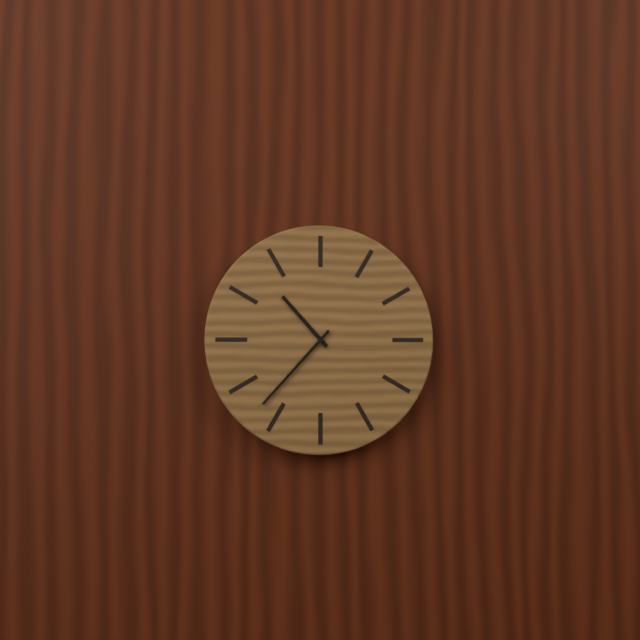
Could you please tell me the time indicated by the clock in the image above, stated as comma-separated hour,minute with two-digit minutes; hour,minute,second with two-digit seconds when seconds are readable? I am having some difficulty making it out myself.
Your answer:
10,37
